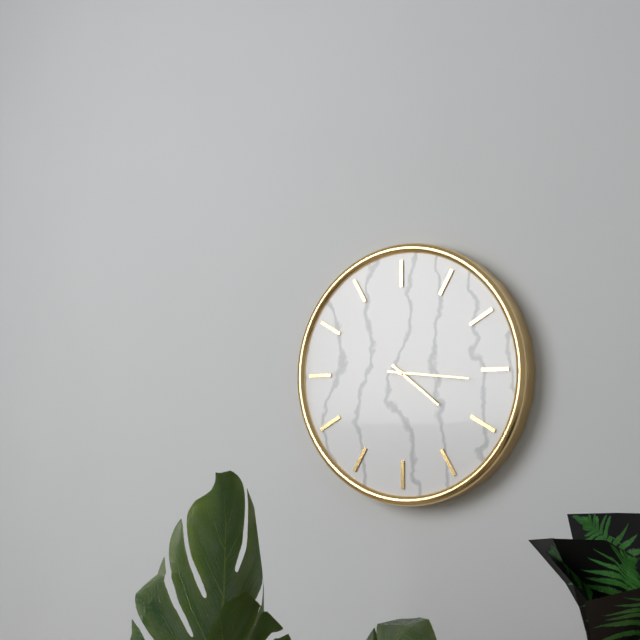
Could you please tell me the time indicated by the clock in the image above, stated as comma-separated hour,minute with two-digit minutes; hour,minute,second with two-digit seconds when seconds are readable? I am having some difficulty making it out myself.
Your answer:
4,16
